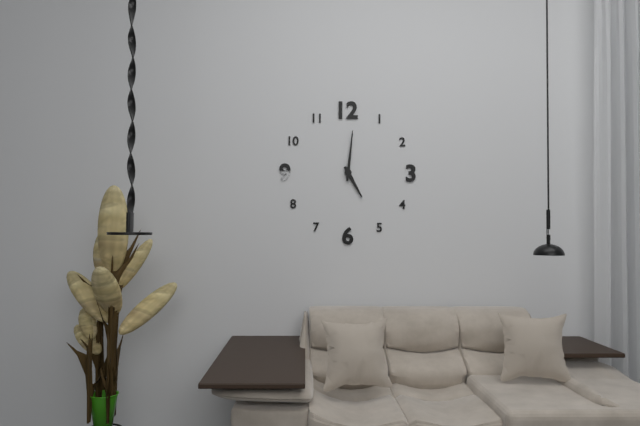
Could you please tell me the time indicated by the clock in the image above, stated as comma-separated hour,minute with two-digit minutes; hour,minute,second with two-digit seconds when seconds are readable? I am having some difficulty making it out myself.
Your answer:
5,01
